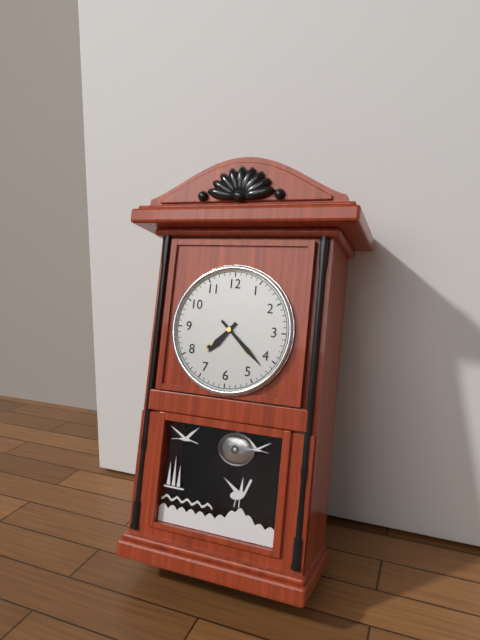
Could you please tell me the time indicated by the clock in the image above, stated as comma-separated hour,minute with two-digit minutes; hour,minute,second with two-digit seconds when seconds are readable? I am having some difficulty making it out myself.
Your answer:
7,22
